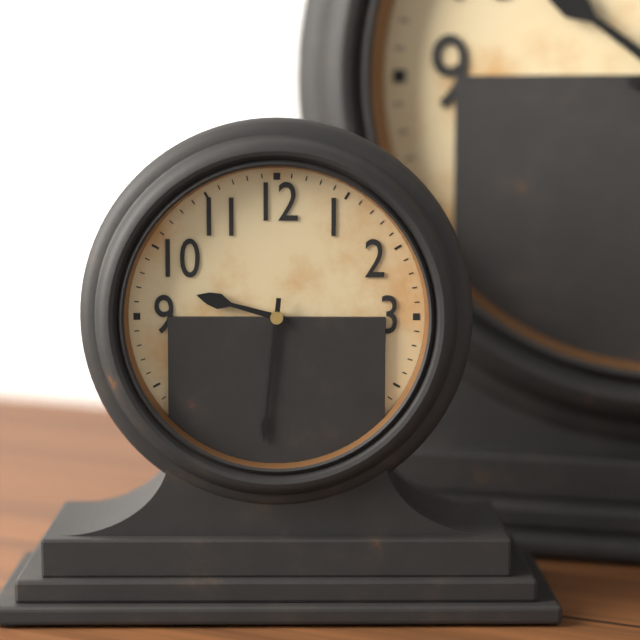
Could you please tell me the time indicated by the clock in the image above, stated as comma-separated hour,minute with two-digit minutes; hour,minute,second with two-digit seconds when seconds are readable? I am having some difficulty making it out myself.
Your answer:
9,31
